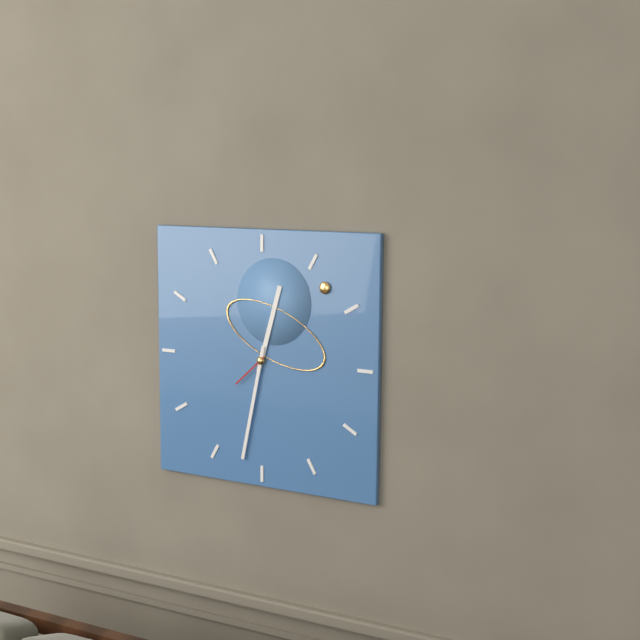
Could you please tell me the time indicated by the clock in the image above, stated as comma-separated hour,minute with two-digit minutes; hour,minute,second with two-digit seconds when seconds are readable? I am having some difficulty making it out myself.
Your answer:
12,32
